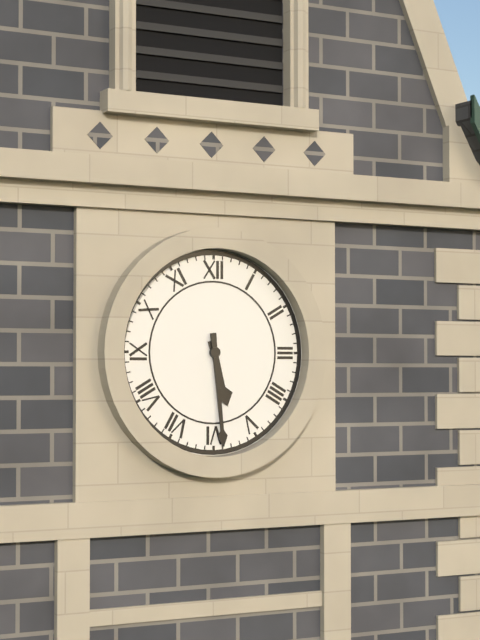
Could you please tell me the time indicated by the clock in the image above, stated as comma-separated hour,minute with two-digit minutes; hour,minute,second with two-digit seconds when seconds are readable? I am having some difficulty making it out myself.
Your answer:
5,29
